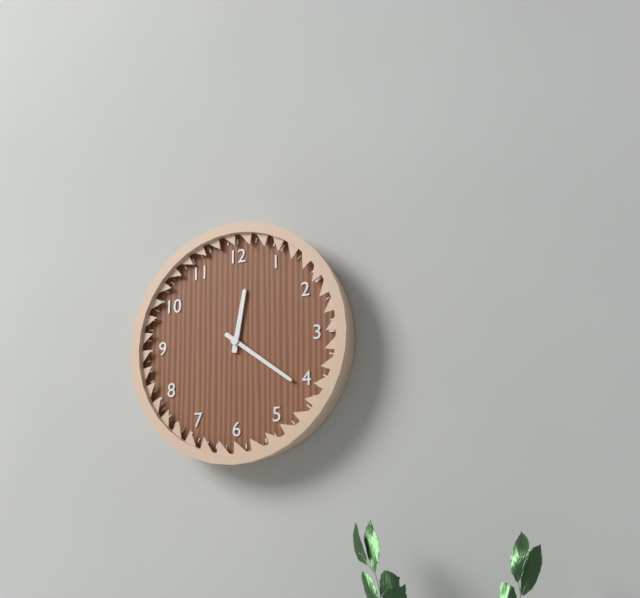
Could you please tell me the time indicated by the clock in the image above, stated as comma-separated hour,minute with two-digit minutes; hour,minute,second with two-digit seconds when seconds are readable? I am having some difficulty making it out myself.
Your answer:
12,21
